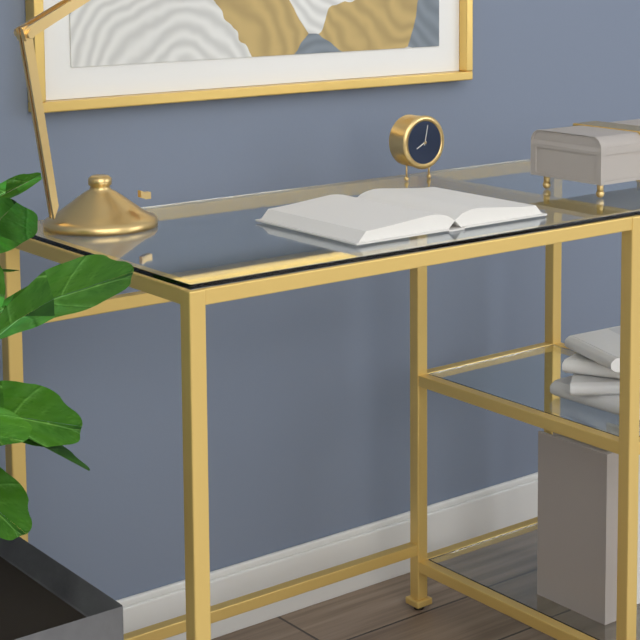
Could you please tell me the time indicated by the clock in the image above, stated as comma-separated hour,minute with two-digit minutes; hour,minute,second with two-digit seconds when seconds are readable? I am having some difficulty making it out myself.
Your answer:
8,02
